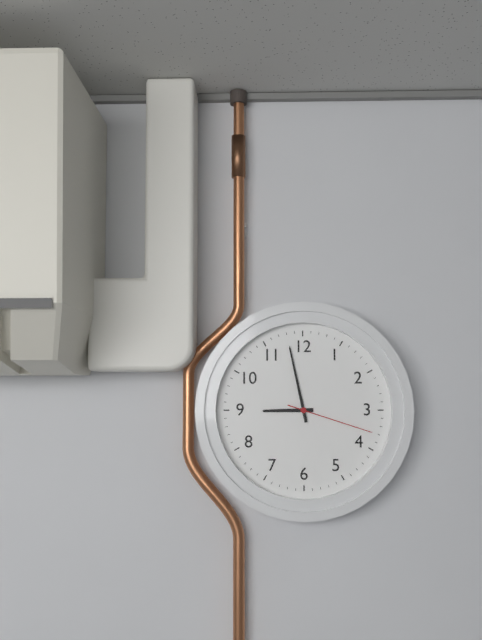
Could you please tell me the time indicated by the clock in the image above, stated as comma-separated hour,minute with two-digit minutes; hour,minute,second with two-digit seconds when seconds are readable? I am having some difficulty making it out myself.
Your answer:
8,58,18
